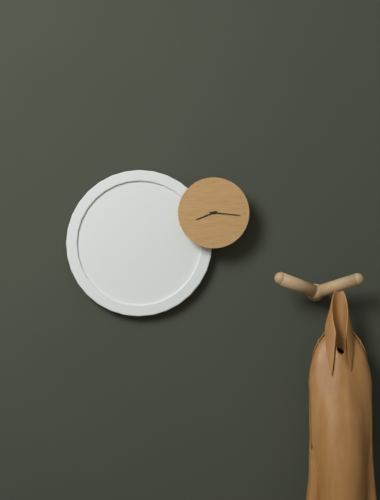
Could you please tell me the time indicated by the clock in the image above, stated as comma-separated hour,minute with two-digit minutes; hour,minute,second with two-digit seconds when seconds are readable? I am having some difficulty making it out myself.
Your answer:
8,16
